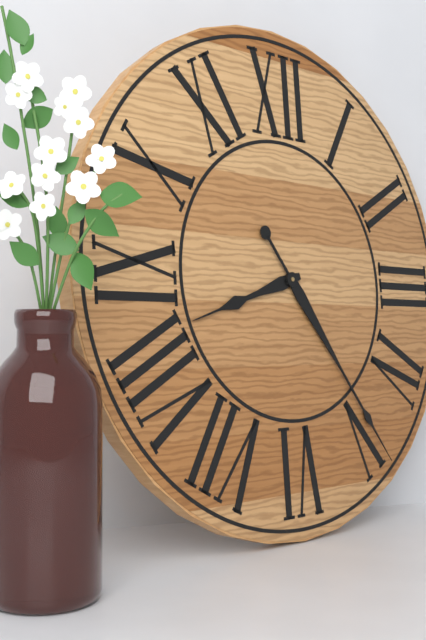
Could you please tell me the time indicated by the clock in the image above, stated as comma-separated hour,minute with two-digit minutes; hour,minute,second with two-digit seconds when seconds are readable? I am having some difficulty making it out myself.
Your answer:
8,24
